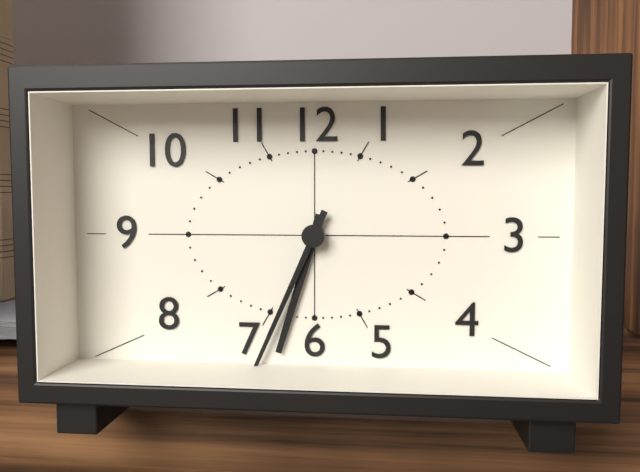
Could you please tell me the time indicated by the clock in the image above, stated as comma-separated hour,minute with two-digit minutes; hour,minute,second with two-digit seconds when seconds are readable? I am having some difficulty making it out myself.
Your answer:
6,34
